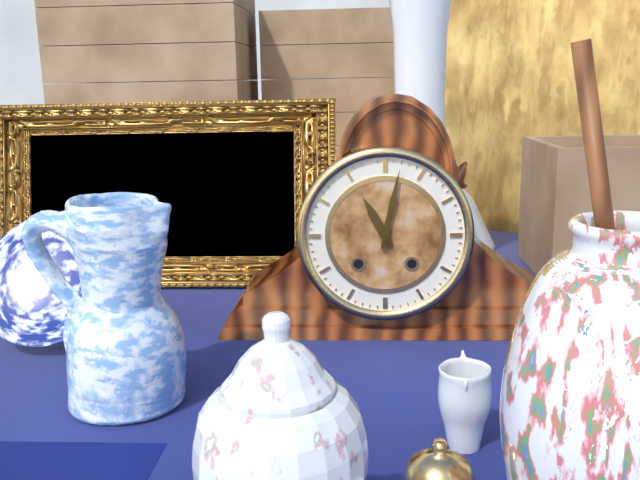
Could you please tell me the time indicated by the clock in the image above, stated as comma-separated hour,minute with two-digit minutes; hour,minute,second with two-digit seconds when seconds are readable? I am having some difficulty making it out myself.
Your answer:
11,02
